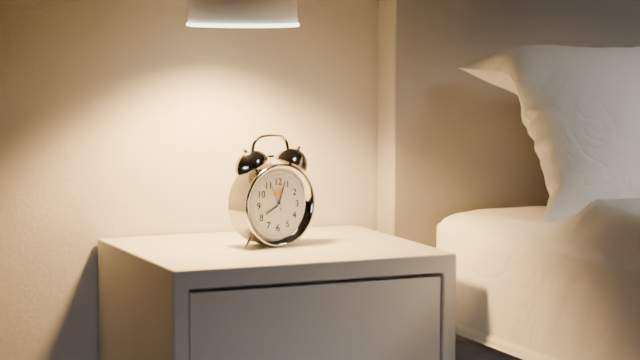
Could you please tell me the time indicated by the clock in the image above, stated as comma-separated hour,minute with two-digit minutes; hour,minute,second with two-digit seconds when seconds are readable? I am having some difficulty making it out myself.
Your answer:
8,03
